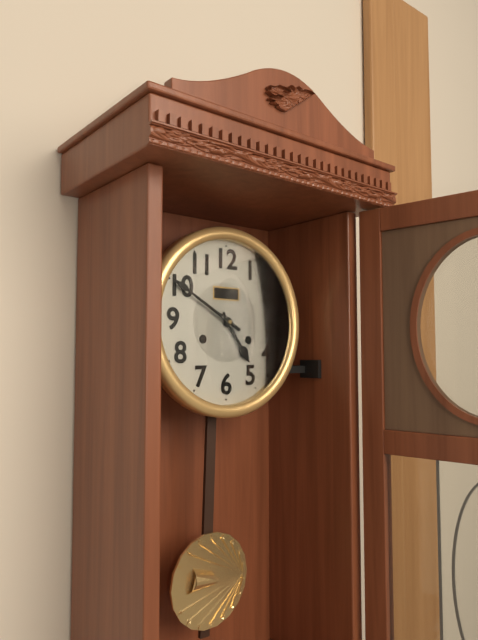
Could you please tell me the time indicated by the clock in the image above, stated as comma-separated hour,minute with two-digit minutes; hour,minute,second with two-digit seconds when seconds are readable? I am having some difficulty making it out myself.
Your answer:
4,50
